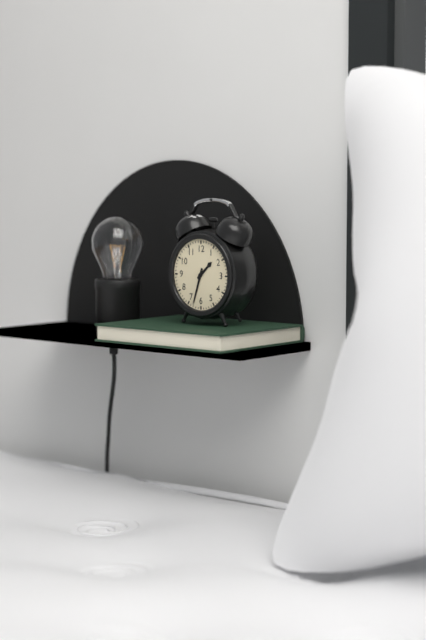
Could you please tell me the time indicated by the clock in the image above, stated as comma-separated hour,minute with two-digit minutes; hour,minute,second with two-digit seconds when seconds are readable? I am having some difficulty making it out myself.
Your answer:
1,33
